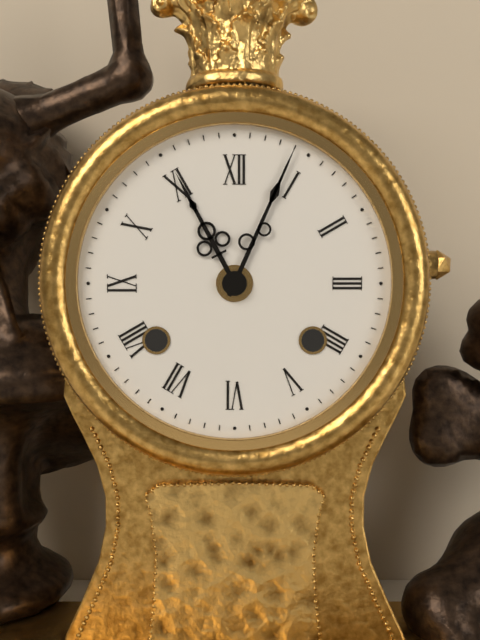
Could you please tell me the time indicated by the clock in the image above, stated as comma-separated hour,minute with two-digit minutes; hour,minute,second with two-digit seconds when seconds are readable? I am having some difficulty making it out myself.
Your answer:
11,04
